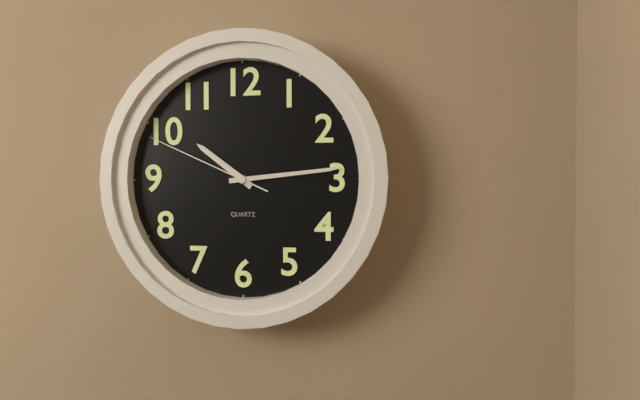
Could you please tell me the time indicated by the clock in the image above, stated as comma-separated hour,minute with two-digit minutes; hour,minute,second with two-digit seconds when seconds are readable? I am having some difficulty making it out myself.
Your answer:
10,14,49
